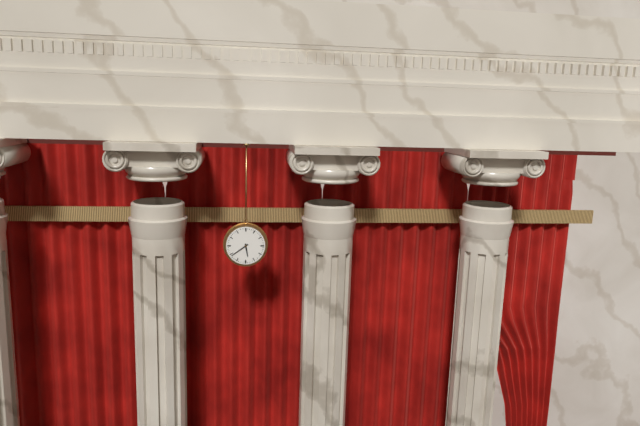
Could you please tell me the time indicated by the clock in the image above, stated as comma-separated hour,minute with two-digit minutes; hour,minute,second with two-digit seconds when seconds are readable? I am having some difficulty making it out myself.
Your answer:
5,39
